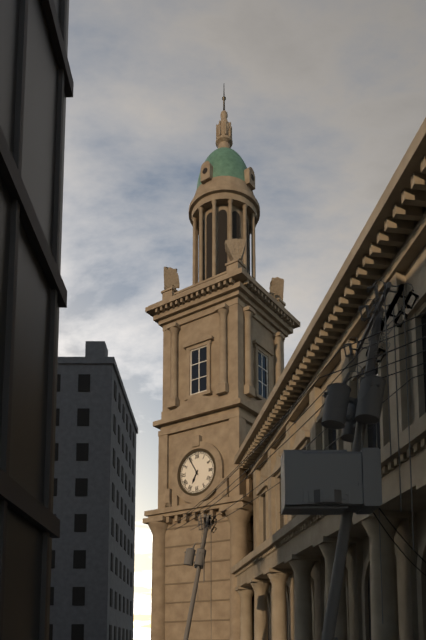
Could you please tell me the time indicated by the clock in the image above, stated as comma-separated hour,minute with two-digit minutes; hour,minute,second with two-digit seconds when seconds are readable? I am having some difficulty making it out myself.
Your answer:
6,55
